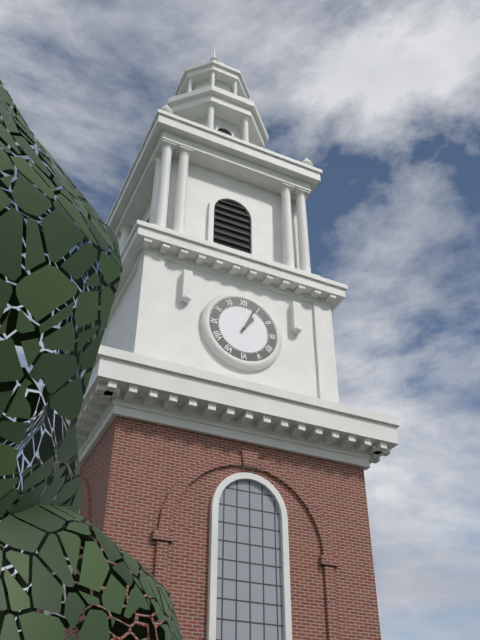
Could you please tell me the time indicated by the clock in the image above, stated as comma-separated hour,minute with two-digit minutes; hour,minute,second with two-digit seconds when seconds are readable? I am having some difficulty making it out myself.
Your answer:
1,04
